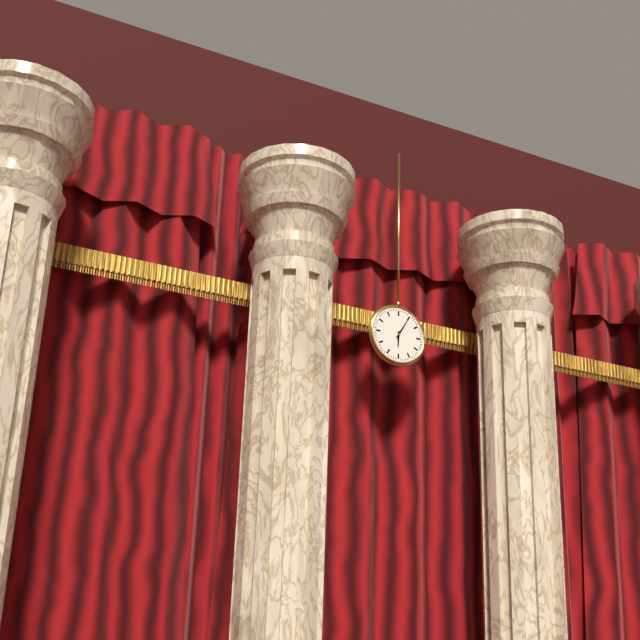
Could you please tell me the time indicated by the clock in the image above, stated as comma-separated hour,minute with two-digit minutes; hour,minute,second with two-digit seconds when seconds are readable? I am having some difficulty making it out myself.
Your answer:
6,05
